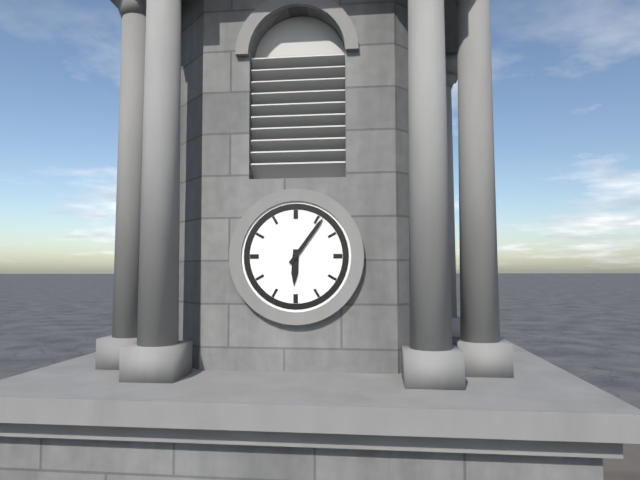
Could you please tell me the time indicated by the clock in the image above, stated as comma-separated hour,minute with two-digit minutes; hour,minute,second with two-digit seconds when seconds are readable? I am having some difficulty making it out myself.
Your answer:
6,06
